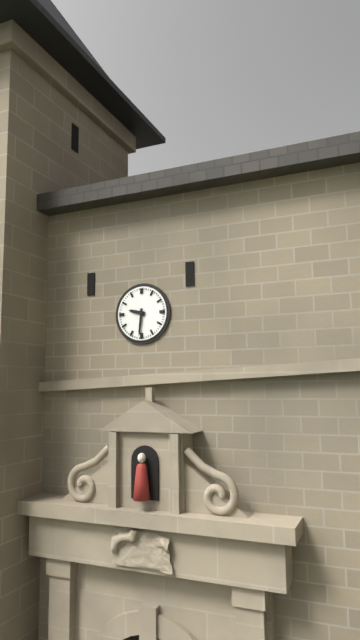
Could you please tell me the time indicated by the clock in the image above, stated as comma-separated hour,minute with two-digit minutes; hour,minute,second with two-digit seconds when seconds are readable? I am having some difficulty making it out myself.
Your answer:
9,31
